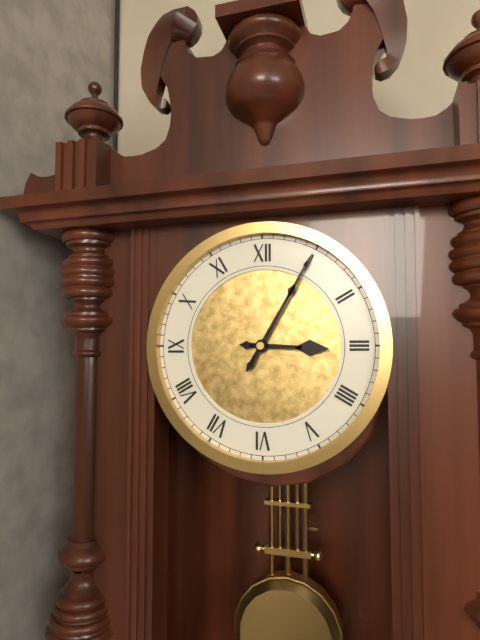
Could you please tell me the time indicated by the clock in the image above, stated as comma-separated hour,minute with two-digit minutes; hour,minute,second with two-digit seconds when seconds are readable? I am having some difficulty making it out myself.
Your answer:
3,05
